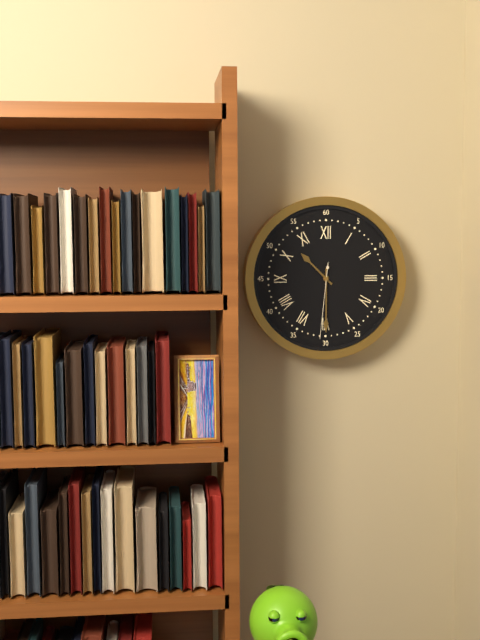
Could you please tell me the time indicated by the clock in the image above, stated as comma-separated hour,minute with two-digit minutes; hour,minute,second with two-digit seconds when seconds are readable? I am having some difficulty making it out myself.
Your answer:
10,30,31
